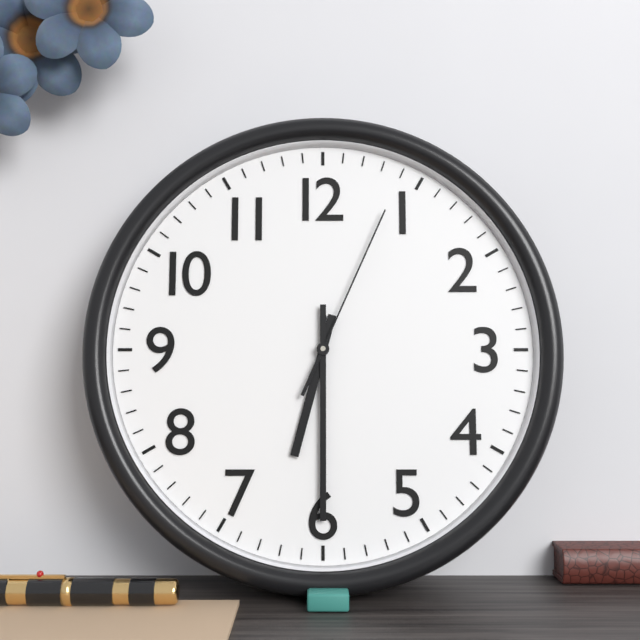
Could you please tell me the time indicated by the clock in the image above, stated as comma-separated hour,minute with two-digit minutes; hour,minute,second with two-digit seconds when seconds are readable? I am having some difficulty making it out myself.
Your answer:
6,30,04
